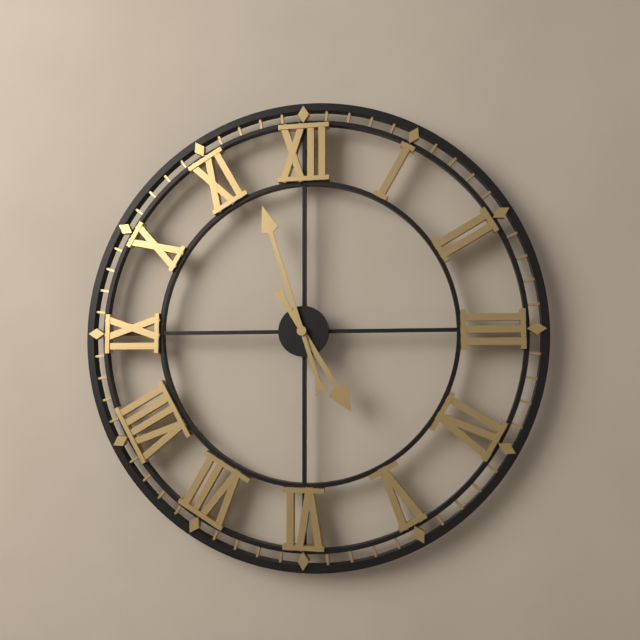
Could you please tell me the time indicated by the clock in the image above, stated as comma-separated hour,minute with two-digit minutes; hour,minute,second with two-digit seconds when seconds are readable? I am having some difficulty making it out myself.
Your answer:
4,57
